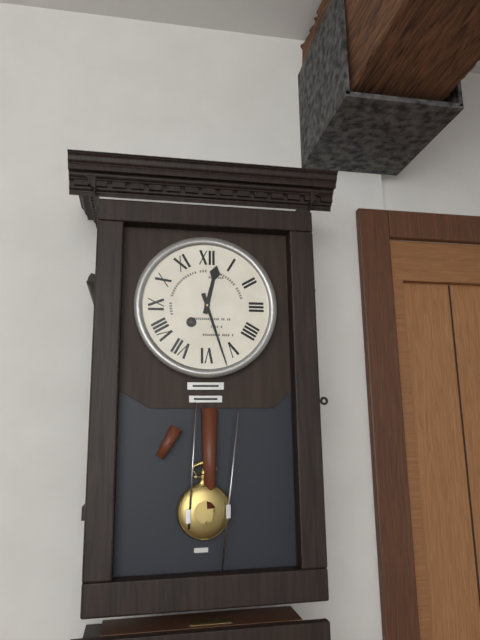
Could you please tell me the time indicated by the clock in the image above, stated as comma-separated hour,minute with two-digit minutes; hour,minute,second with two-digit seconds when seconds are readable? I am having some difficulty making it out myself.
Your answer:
12,27
